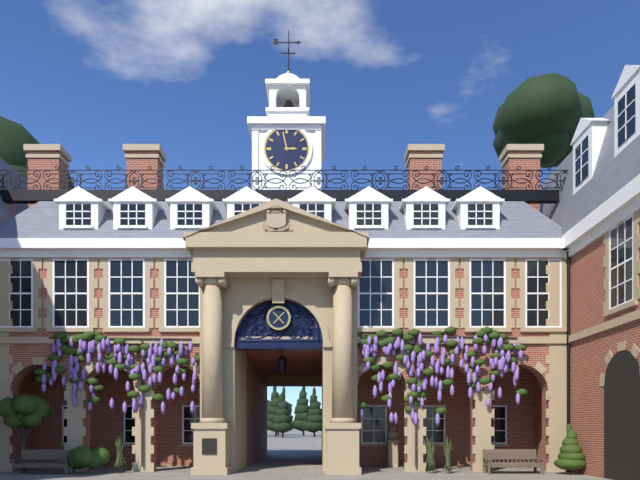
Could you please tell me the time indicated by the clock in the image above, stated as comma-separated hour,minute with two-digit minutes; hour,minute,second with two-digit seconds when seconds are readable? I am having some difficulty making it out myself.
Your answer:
2,58
